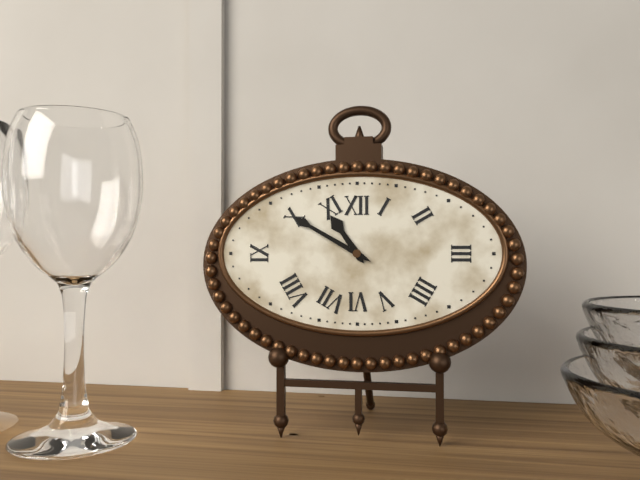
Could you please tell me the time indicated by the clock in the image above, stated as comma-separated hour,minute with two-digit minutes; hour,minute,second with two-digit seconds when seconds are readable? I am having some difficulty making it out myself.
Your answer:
10,50
